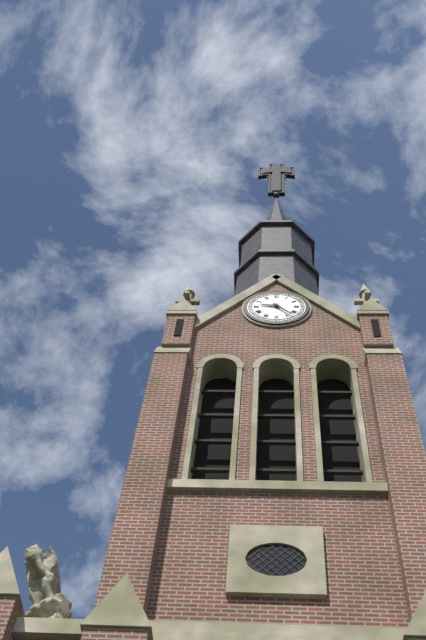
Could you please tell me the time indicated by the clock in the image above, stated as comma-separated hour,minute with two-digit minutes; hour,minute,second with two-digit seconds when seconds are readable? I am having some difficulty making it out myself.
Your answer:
9,23
